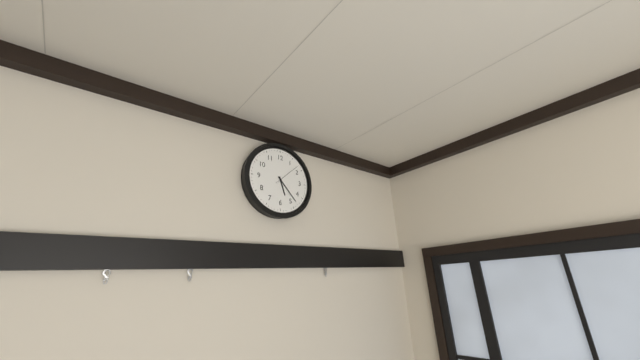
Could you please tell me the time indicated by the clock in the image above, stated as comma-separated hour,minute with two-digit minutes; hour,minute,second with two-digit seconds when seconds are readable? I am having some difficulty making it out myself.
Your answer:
5,23
